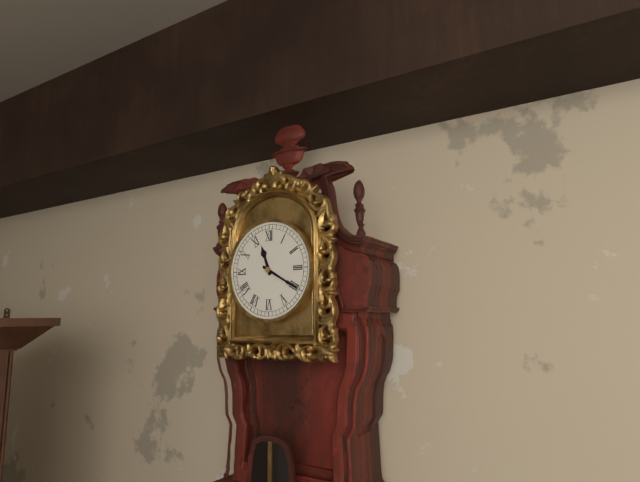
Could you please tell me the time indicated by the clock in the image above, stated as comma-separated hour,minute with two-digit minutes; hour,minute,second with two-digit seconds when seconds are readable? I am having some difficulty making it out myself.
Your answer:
11,20
